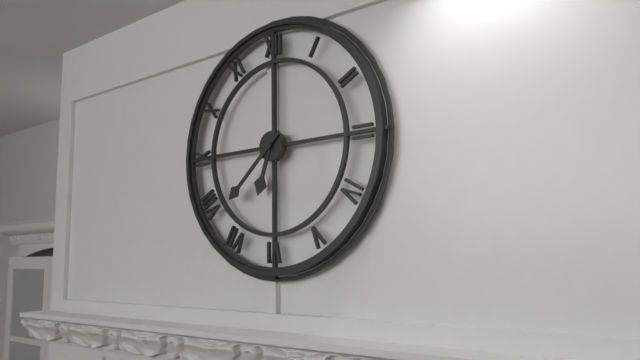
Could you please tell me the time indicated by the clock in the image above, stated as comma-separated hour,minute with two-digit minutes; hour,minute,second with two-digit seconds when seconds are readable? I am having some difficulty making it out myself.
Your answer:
6,38
